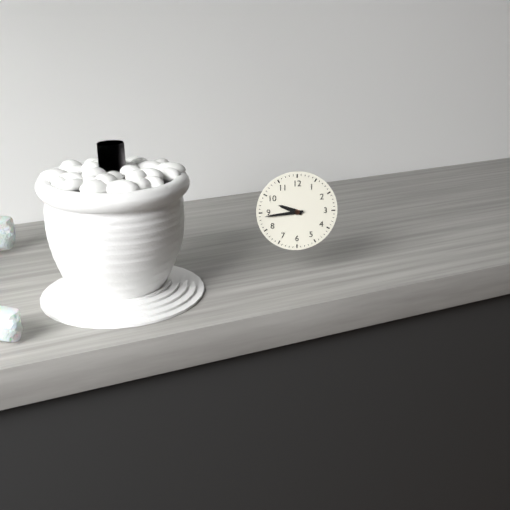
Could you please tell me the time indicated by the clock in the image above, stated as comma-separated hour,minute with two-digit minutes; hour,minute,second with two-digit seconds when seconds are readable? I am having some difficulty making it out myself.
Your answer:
9,44
